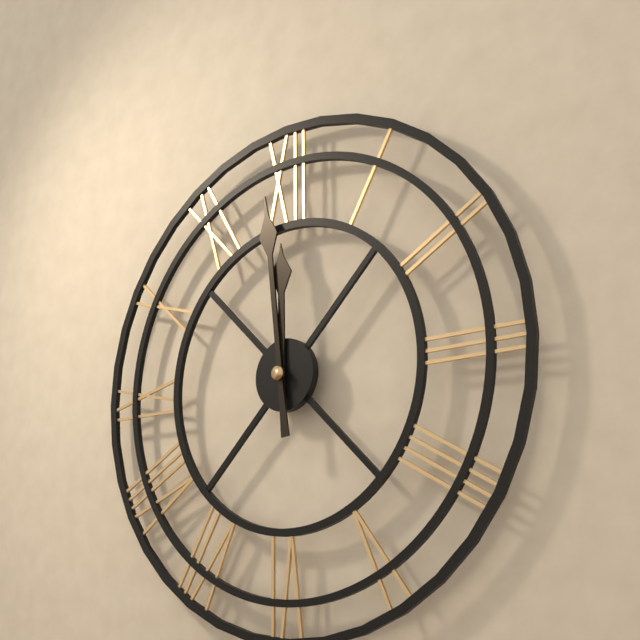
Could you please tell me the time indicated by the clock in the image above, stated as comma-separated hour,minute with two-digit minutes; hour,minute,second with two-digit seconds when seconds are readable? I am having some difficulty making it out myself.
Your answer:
11,59
